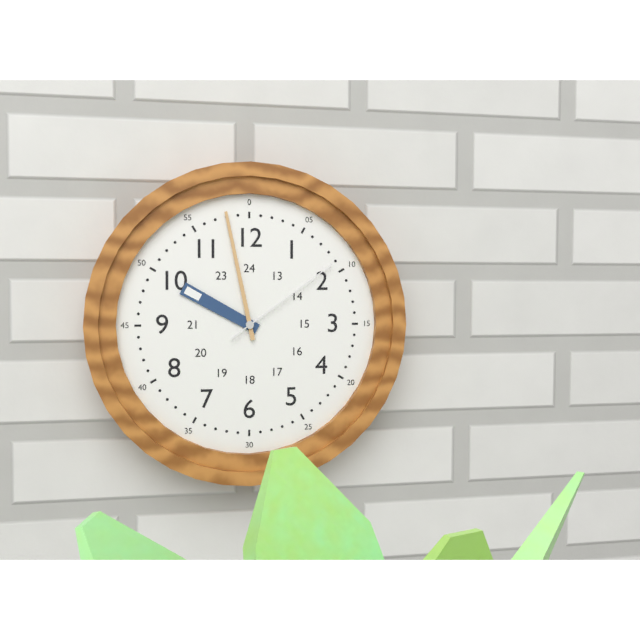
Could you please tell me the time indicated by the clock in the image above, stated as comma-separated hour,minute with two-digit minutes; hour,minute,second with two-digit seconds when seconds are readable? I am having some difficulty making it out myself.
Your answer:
9,58,09
